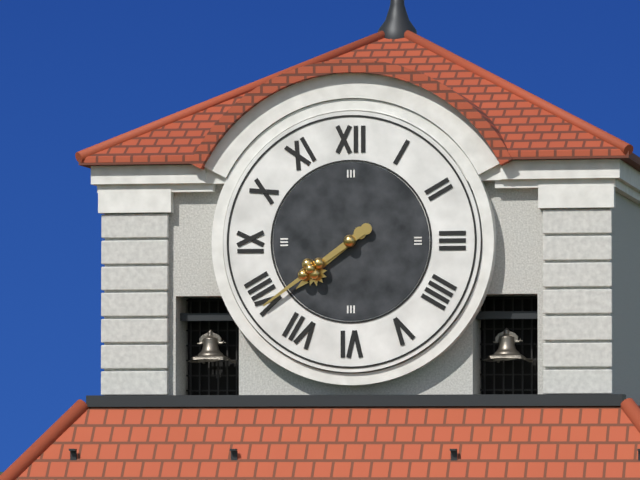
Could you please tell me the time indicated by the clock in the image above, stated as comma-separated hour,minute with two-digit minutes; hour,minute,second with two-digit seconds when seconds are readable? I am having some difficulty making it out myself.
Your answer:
7,39
